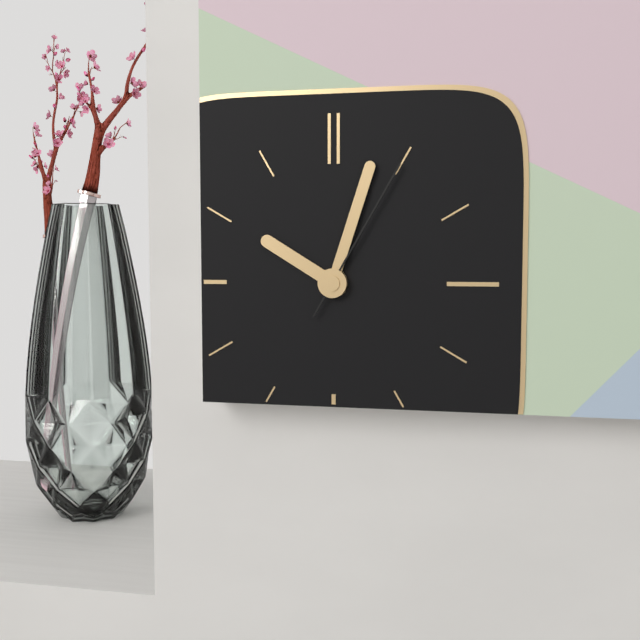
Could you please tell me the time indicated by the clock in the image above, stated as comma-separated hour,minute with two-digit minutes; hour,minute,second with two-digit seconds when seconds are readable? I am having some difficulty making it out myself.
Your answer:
10,03,05
